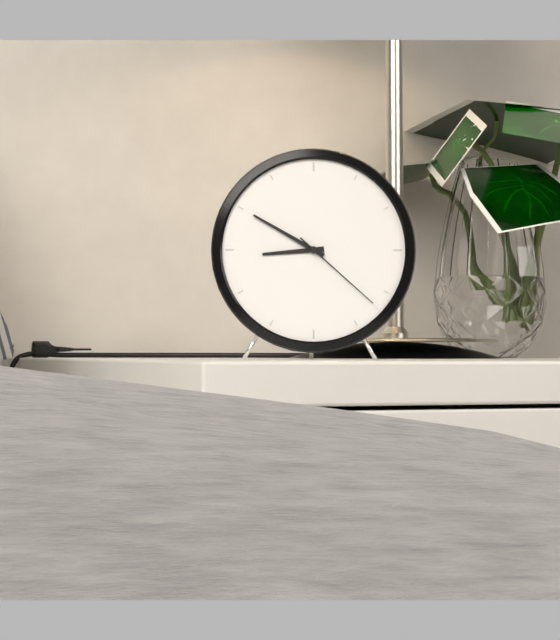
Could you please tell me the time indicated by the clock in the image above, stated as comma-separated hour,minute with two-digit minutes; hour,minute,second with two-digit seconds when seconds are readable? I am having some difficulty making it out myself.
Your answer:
8,50,22
